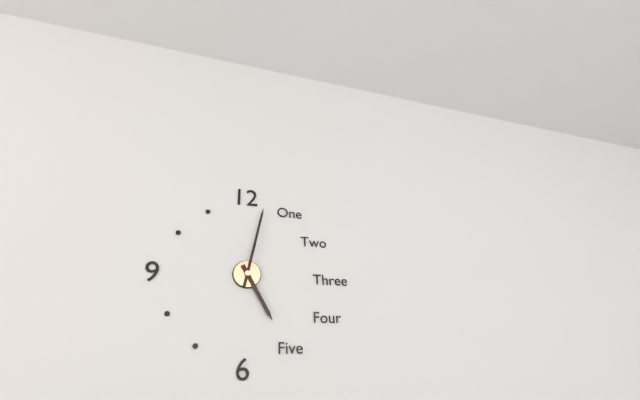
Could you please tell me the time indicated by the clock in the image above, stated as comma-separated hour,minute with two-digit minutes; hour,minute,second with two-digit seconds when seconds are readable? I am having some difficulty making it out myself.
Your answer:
5,02
